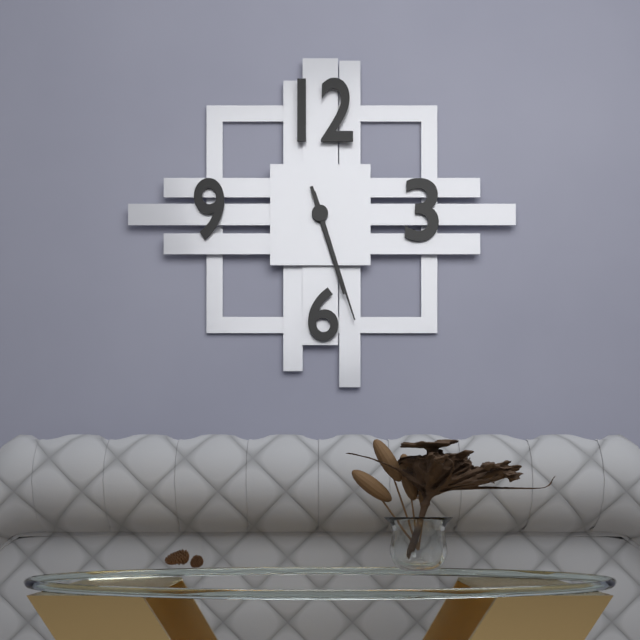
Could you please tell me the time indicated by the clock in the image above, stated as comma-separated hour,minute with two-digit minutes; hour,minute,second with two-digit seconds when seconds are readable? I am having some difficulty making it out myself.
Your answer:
5,27
